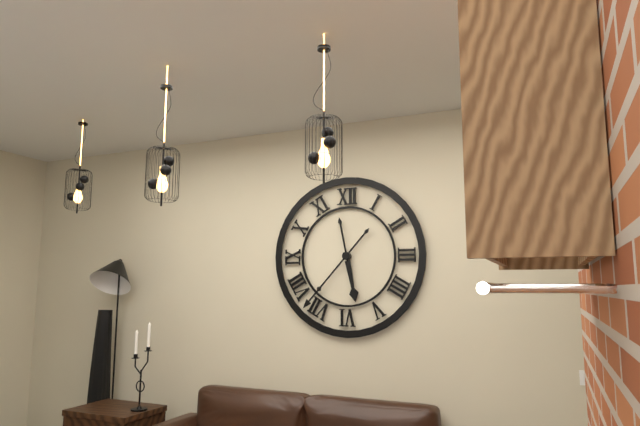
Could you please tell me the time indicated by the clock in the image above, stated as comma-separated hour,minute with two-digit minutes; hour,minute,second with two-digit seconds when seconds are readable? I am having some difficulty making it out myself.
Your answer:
5,37
